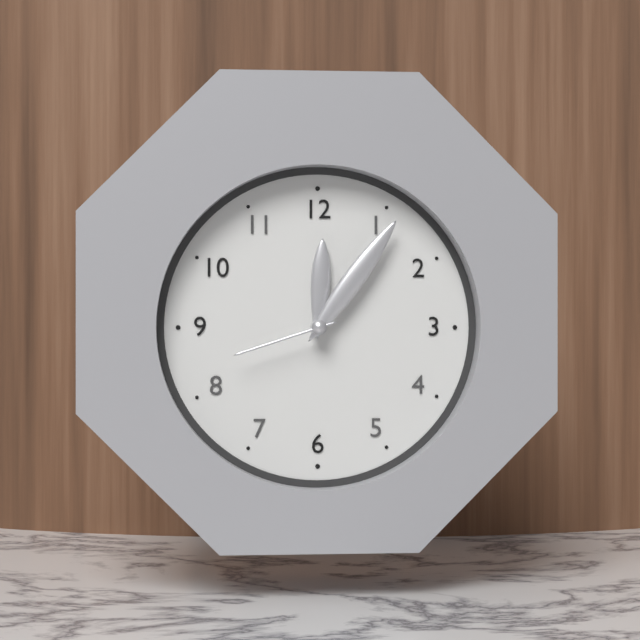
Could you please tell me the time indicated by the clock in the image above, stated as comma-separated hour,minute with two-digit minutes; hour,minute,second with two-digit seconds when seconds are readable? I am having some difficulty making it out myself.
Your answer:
12,06,42
